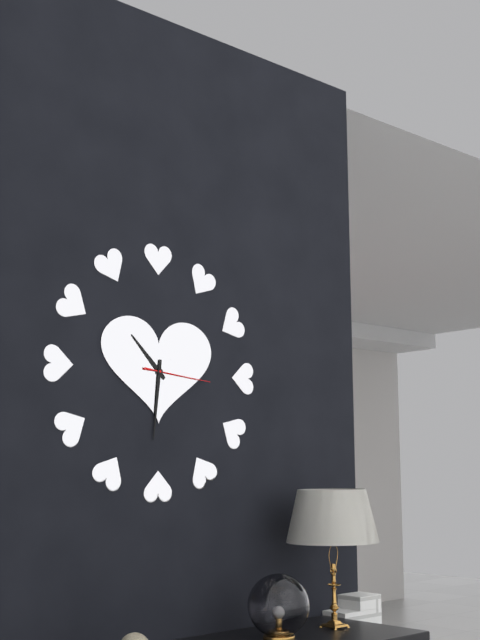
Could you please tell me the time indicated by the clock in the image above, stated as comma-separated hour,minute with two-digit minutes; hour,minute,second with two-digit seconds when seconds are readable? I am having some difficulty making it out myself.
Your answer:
10,31,16
